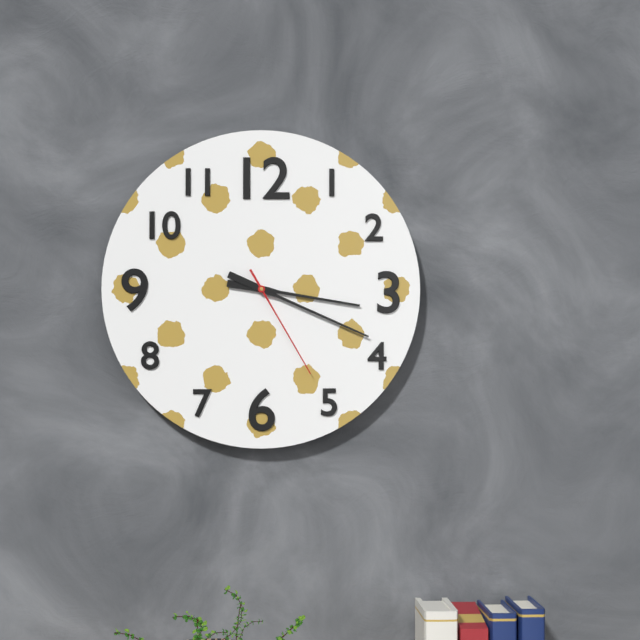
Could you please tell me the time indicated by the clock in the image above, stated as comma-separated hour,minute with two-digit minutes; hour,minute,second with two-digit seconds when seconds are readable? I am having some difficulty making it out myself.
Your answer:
3,19,25
